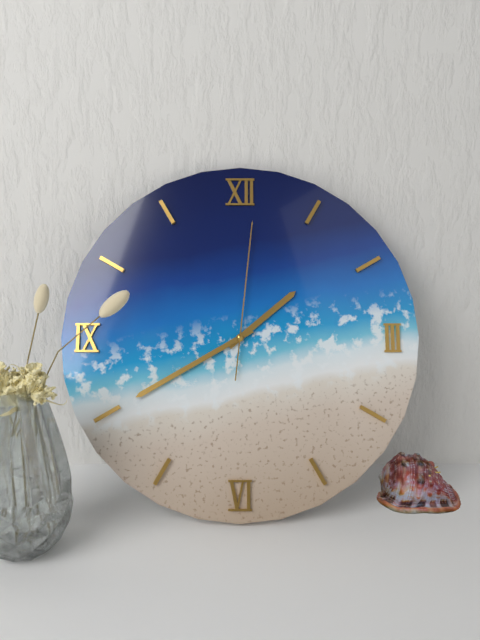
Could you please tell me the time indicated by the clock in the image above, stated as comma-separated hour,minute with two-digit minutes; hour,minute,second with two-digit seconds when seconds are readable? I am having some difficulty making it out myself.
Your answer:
1,40,01
